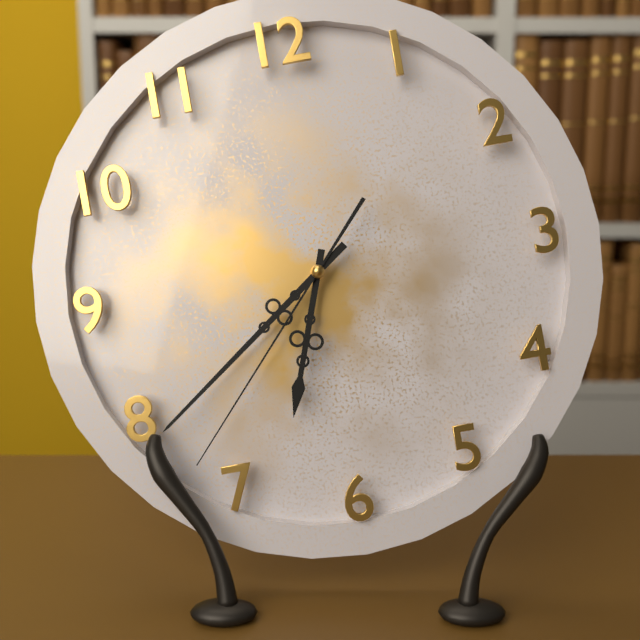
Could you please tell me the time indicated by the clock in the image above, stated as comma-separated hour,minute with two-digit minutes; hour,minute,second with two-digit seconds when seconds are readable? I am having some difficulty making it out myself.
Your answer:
6,39,37
